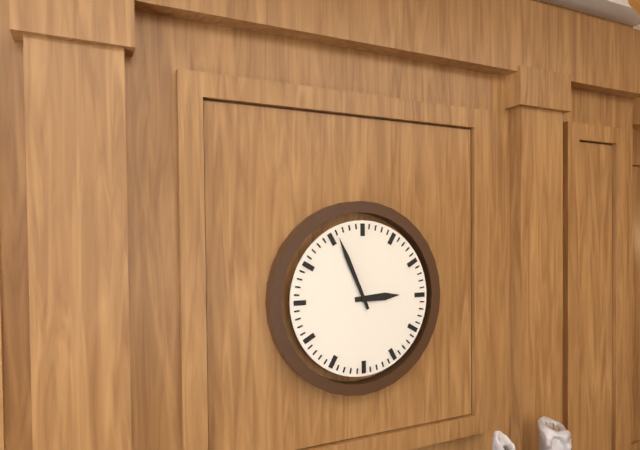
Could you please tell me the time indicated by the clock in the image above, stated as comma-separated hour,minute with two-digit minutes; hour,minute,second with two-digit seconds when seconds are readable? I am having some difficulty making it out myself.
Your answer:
2,56
